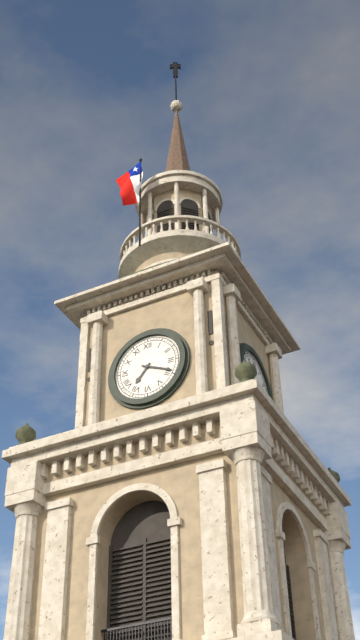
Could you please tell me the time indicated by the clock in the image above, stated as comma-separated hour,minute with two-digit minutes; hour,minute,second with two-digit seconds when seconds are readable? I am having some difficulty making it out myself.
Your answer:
7,19
